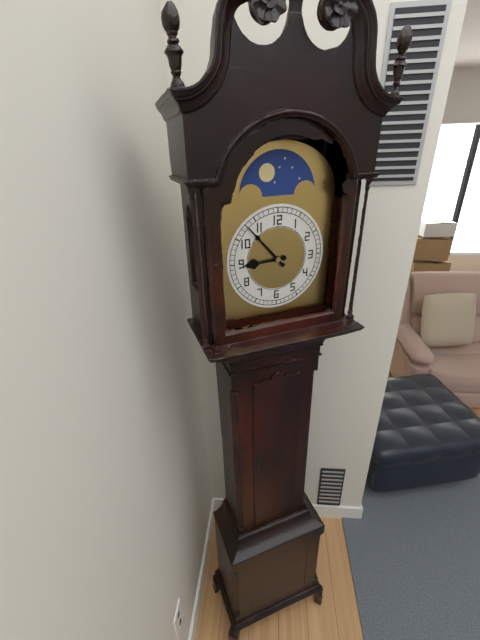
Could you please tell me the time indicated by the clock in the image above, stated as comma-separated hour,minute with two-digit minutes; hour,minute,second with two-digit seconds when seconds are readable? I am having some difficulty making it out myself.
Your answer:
8,53
